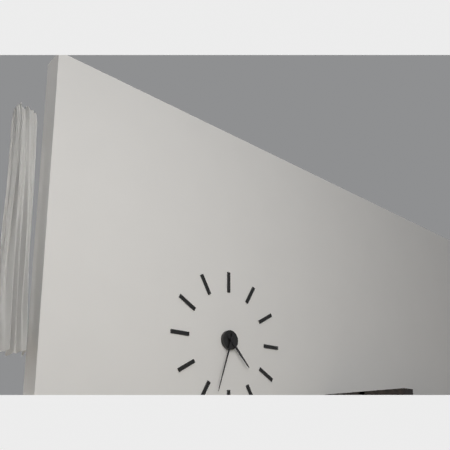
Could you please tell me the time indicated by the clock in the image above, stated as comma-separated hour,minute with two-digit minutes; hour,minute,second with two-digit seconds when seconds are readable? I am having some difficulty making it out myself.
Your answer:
4,33
